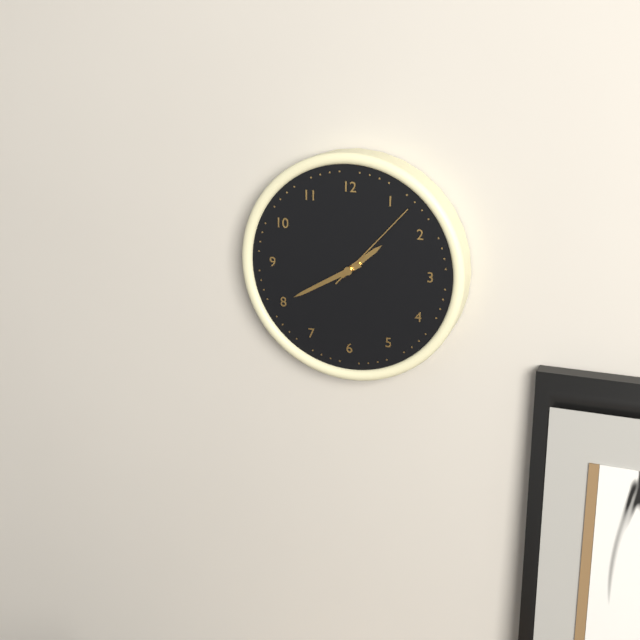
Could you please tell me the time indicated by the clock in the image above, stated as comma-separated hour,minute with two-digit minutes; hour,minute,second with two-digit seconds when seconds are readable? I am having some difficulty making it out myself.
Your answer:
1,40,07
